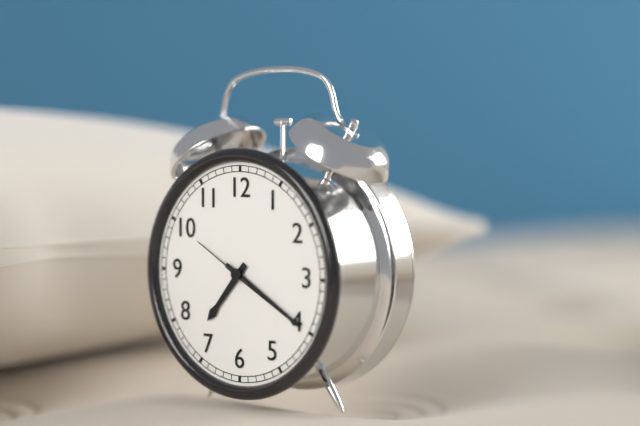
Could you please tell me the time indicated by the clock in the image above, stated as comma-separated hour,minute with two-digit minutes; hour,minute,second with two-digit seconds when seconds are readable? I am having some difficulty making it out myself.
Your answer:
7,20,50
